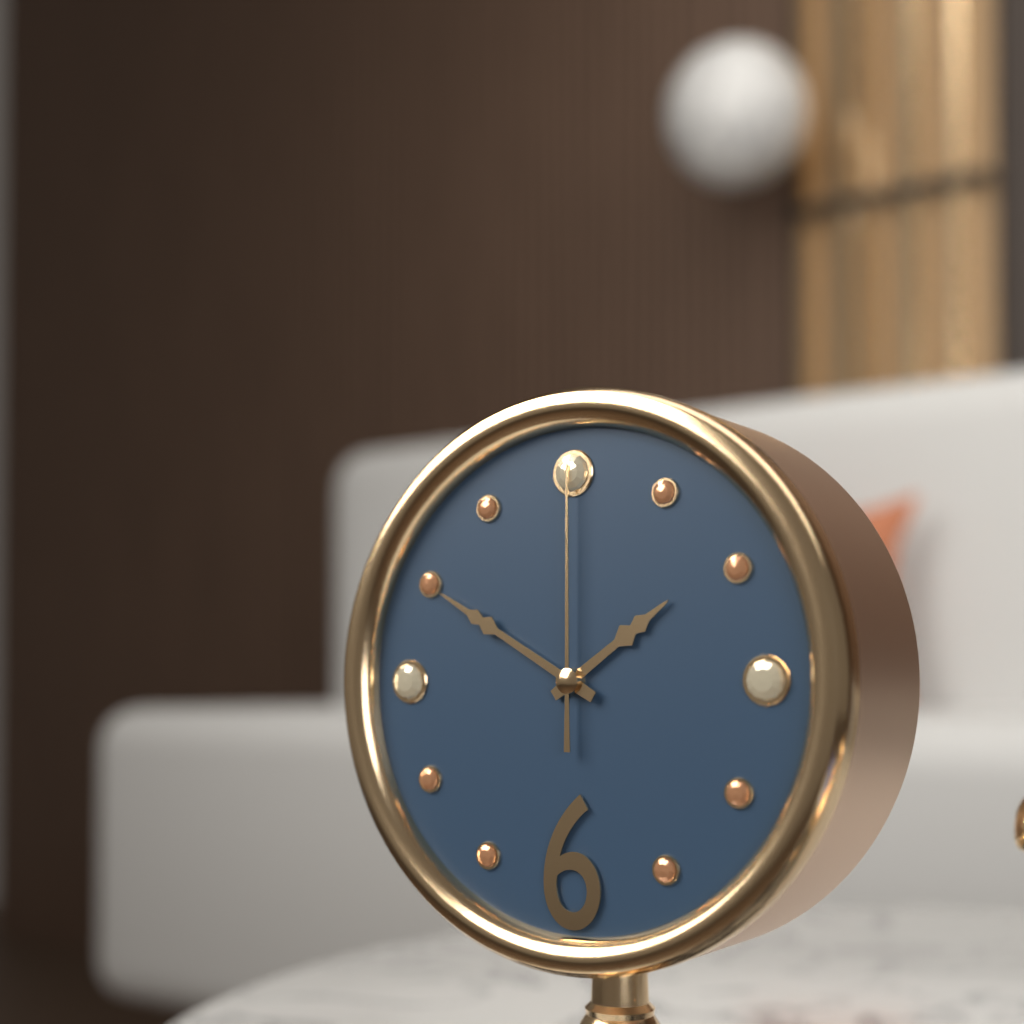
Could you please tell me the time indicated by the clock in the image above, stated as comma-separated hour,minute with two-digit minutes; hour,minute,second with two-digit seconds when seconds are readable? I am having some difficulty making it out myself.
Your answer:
1,50,00
